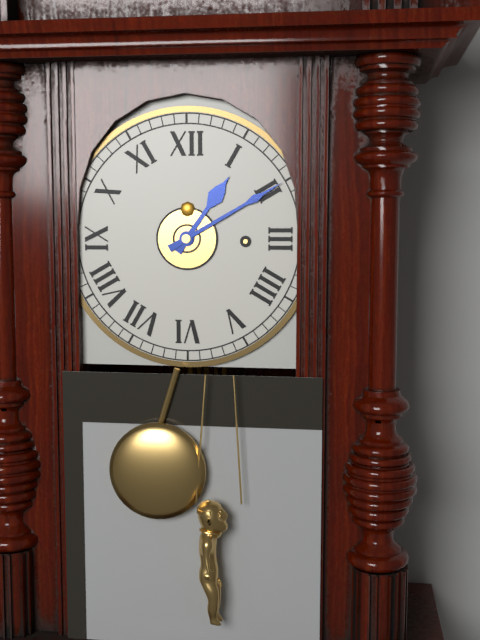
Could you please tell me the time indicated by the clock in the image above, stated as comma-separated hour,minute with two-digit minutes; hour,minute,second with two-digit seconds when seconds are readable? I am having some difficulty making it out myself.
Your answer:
1,10
